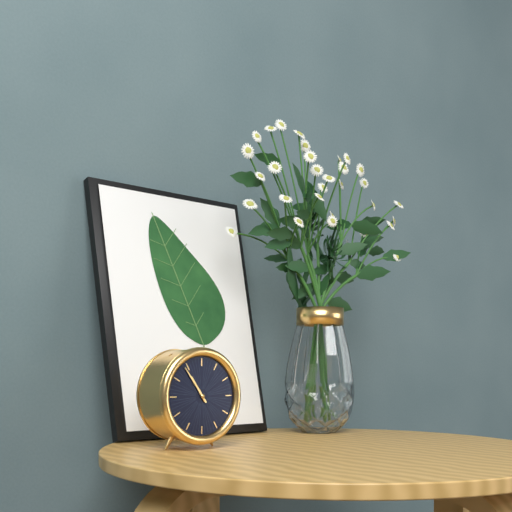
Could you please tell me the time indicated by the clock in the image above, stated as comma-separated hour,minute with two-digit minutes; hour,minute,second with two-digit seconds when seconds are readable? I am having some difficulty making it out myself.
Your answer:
10,54
